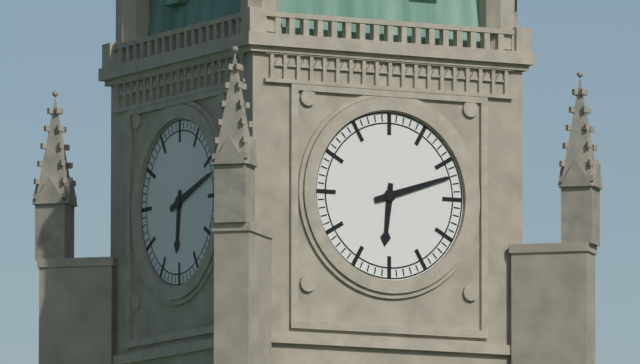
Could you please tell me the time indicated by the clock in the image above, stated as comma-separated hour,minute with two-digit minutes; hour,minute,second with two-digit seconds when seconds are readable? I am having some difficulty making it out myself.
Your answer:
6,12
